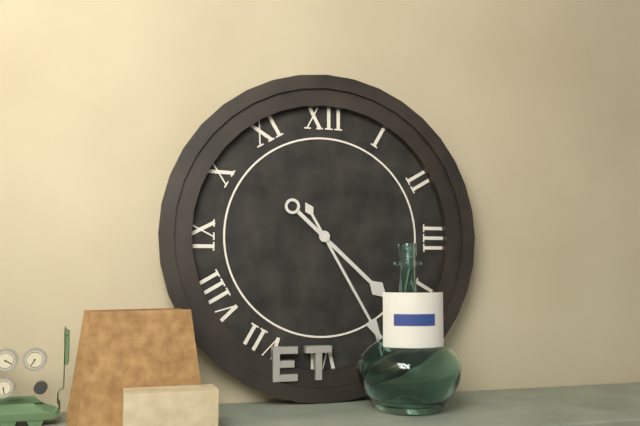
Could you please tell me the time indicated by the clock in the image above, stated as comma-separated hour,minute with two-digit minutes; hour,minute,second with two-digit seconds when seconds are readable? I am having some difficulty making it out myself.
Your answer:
4,25
